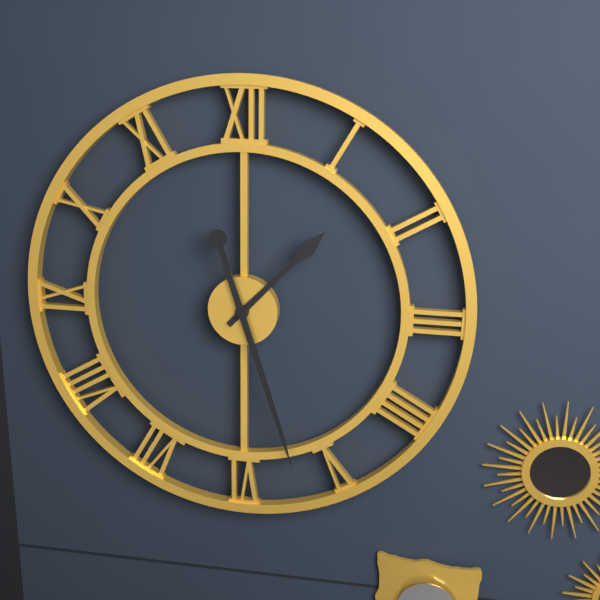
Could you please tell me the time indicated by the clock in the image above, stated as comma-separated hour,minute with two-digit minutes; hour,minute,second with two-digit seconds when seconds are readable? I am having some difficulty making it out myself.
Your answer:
1,27
